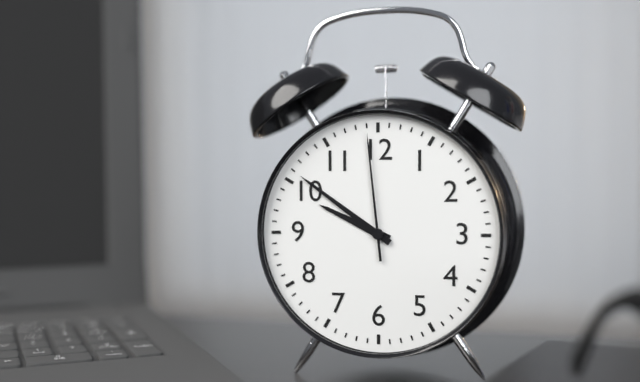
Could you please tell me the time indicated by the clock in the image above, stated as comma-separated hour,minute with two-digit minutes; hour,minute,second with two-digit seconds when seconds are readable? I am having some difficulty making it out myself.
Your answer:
9,51,59
